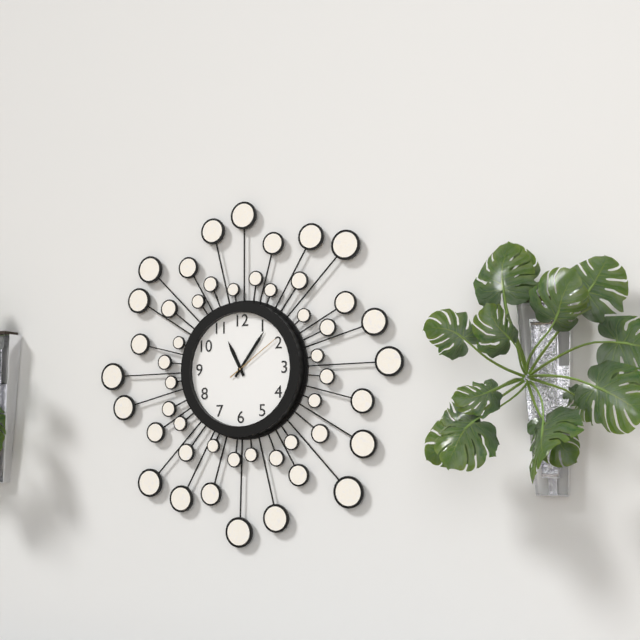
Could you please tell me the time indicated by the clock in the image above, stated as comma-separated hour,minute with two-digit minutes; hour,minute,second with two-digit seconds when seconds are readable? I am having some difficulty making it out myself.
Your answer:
11,06,09
